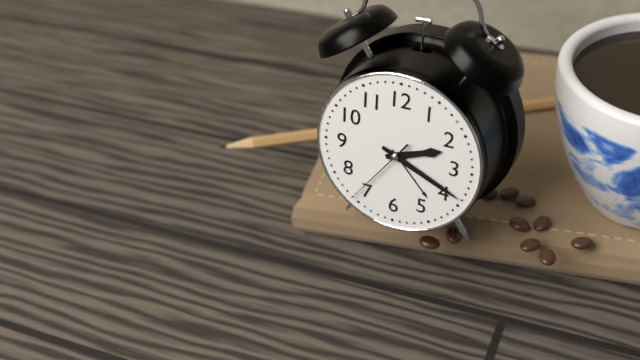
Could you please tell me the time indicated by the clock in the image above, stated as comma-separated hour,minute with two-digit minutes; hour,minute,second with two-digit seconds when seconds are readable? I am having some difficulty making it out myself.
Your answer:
2,19,36
